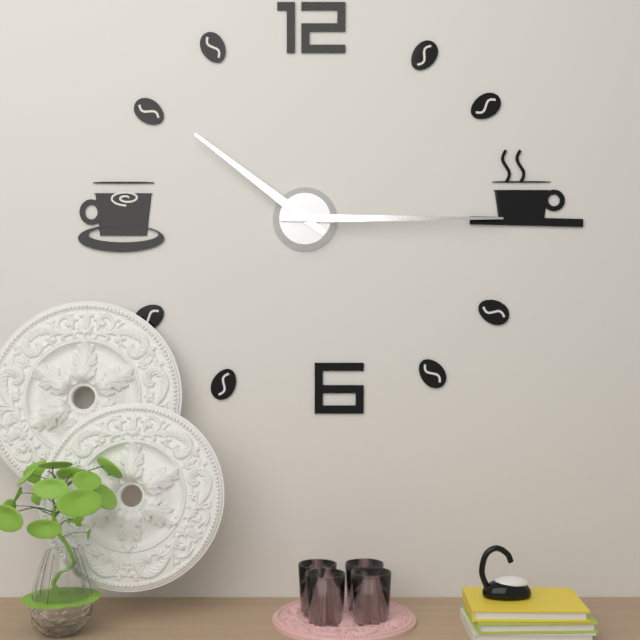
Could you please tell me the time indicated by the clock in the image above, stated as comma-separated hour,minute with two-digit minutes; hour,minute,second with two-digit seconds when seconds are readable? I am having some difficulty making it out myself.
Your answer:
10,15
